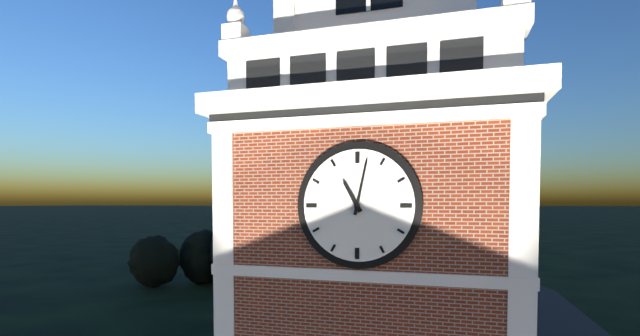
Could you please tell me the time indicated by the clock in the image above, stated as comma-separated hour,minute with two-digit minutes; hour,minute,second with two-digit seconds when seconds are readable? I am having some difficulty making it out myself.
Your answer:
11,02
